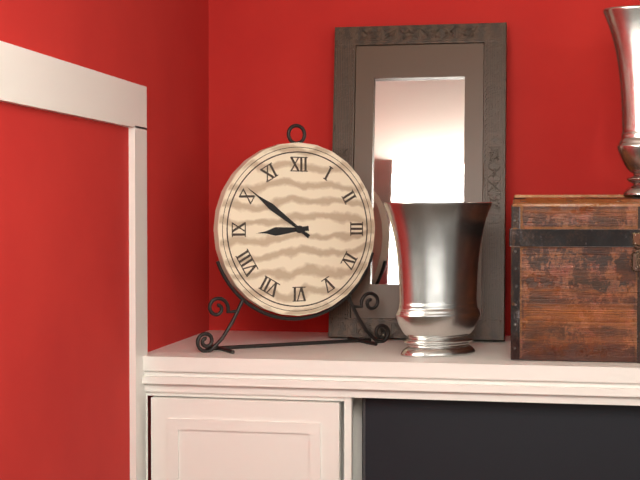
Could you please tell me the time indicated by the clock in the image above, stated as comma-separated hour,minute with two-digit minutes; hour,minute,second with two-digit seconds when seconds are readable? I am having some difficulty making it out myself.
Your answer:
8,51
